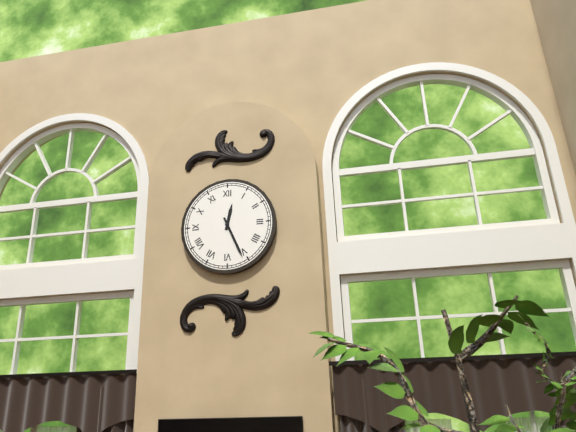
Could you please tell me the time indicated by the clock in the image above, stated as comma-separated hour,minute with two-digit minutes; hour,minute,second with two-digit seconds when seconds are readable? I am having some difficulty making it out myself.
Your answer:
12,26
